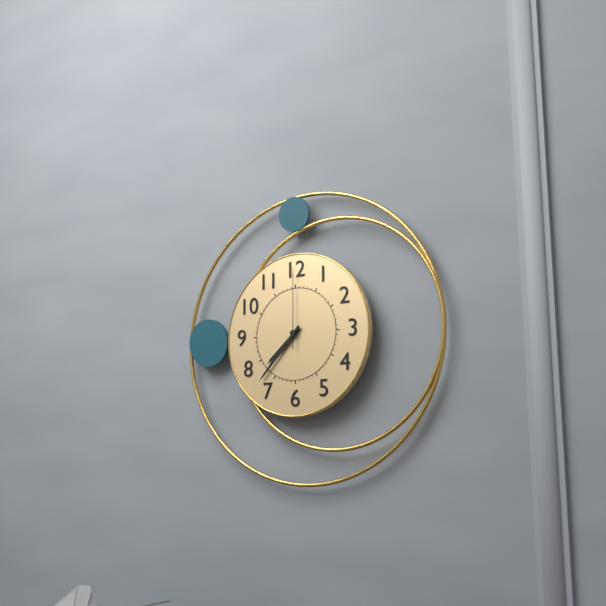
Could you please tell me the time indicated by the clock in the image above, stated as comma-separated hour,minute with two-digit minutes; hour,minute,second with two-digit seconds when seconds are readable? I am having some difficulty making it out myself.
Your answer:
7,37,00
